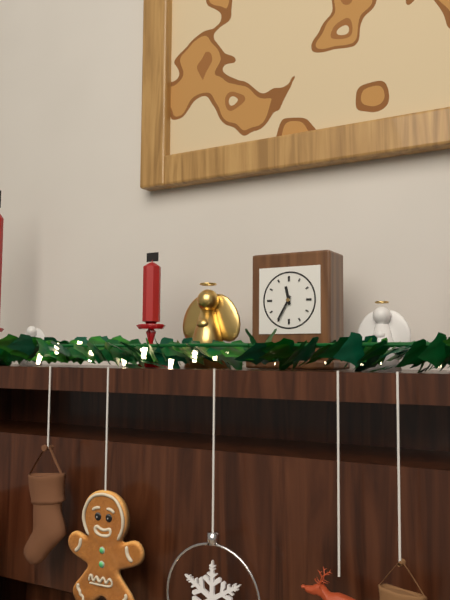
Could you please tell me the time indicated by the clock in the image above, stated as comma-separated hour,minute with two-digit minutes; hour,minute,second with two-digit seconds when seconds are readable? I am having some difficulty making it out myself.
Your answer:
11,35
